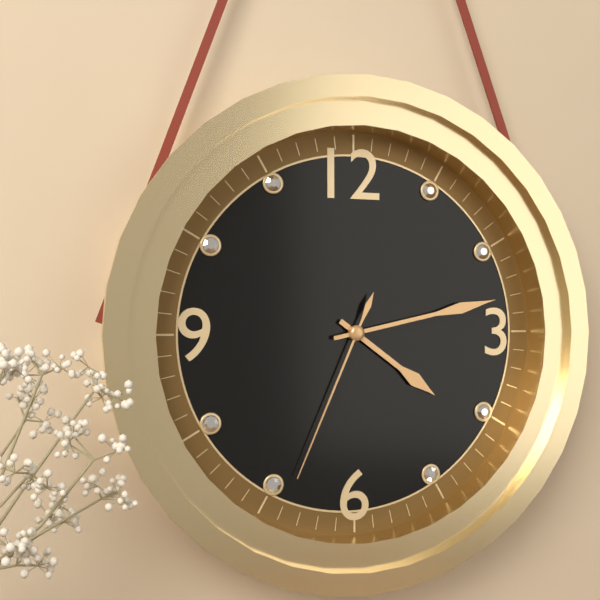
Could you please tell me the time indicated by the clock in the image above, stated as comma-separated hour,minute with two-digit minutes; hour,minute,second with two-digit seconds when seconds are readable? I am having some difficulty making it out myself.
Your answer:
4,13,34
